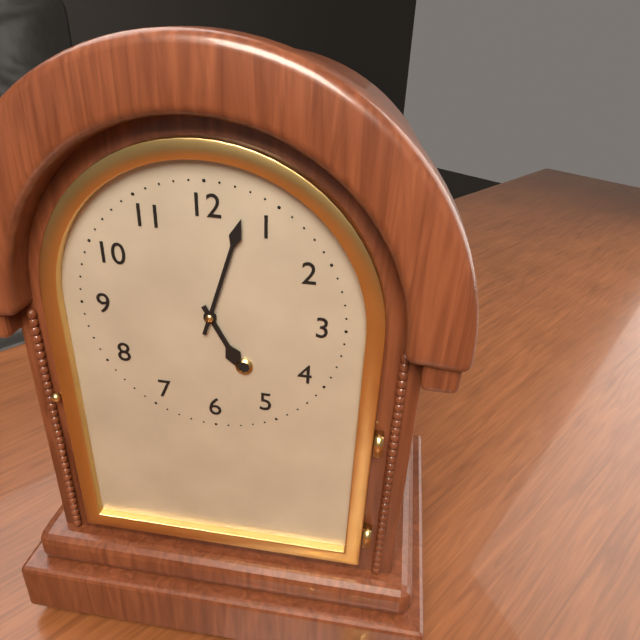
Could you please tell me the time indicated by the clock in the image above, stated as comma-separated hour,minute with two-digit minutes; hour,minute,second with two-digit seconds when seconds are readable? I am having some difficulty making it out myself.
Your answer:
5,03
